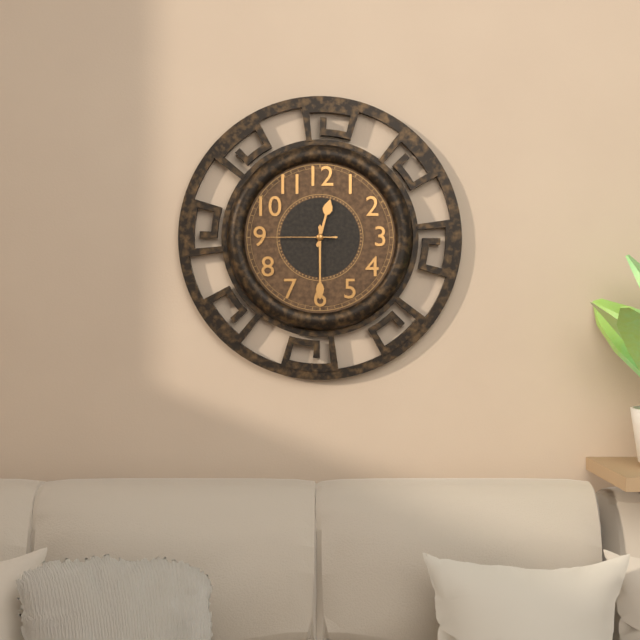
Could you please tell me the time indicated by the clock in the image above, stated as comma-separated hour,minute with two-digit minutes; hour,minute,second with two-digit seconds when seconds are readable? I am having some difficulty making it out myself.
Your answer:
12,30,45
